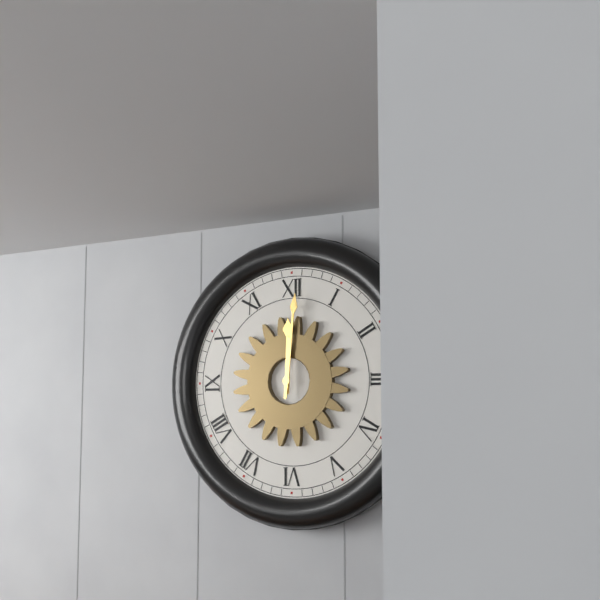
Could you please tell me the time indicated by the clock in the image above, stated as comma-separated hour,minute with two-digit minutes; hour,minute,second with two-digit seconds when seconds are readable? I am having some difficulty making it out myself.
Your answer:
12,01
